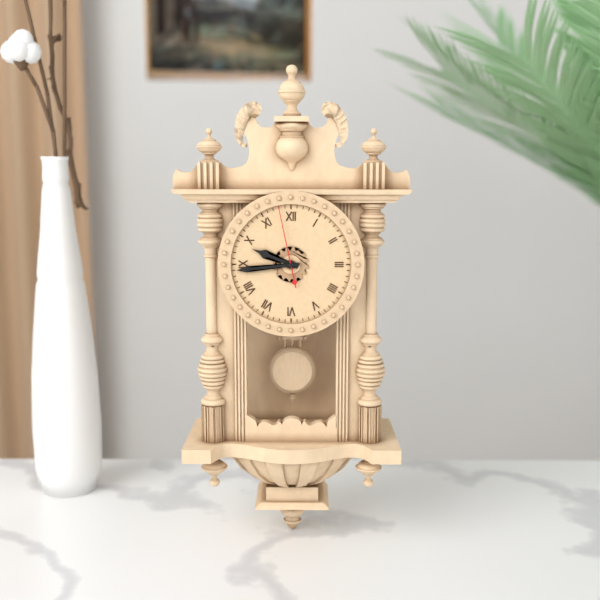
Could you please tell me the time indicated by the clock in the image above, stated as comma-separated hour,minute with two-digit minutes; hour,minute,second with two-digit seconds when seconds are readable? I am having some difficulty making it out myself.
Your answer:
9,44,58
